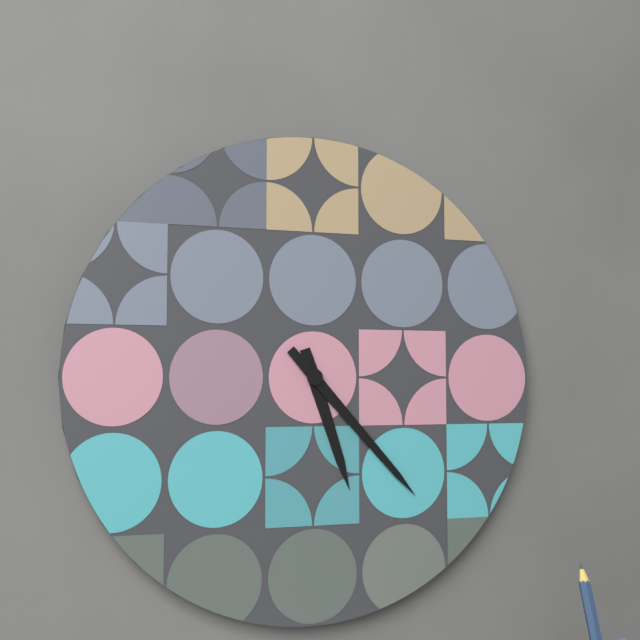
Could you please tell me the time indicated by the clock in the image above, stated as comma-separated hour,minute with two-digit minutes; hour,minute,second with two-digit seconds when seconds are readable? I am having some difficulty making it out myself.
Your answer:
5,23
